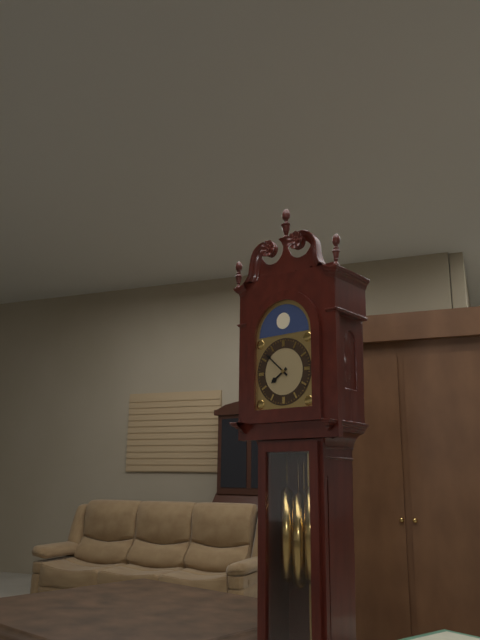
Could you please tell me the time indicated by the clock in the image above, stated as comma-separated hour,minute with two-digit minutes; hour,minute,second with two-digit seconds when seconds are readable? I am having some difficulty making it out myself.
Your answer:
7,52
